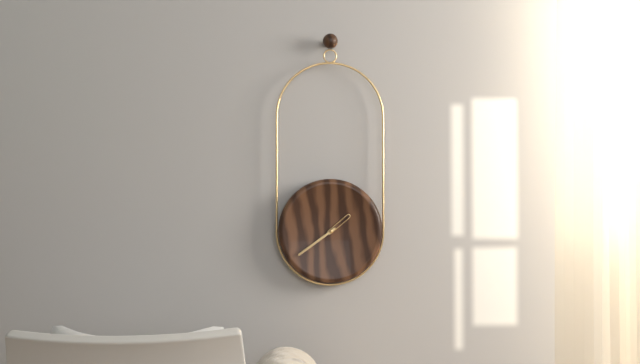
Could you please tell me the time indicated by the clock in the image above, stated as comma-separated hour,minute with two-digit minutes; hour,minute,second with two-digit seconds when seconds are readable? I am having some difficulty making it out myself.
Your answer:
1,39
